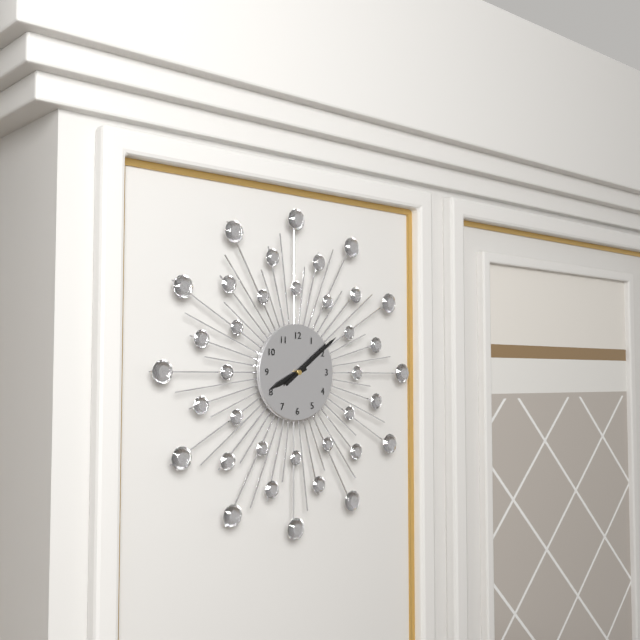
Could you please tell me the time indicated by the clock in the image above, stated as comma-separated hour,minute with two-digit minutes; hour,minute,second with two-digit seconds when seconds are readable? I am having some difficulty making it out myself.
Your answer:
8,09
